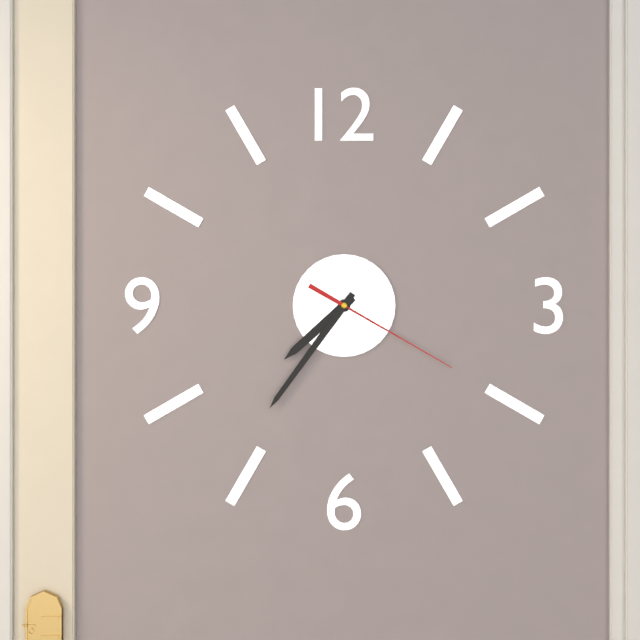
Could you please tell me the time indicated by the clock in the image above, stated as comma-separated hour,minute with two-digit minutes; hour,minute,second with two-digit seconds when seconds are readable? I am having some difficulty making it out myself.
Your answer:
7,36,20
